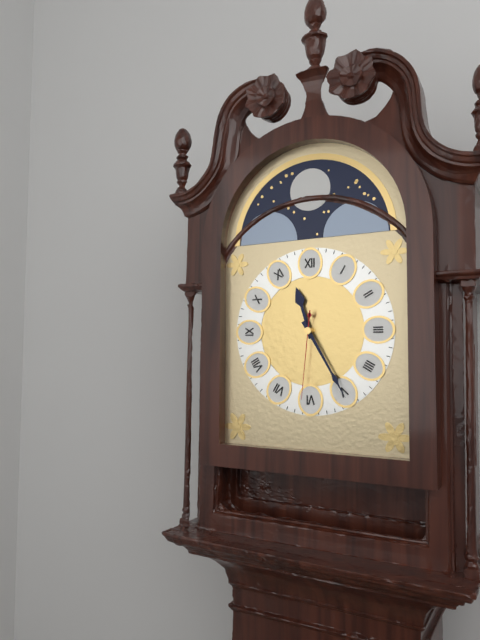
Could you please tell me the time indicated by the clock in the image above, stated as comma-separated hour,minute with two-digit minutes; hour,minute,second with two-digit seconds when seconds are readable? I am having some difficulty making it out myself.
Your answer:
11,25,31
